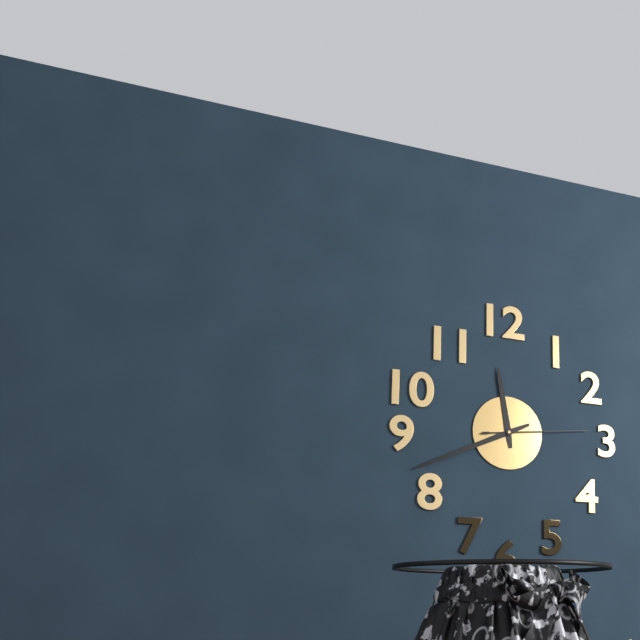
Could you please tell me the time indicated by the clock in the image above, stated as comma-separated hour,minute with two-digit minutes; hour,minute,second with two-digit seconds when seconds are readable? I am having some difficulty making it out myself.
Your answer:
11,41,14
